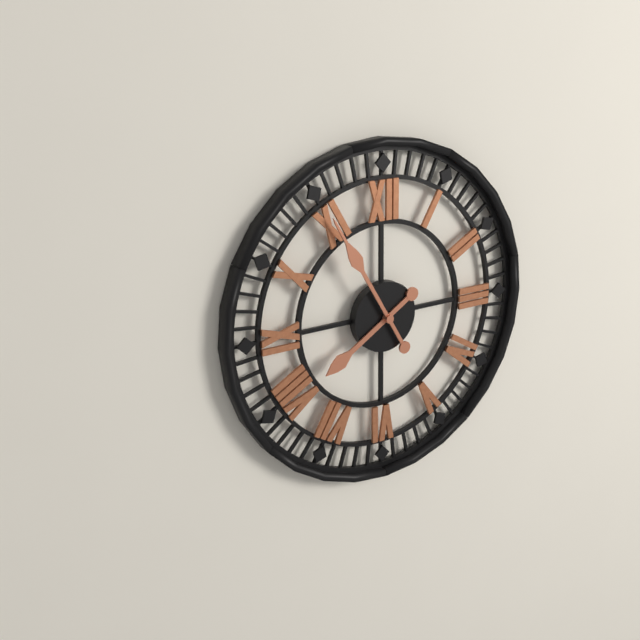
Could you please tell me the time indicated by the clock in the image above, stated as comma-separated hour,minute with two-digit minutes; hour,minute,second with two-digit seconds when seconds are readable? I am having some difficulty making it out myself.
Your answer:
7,55
